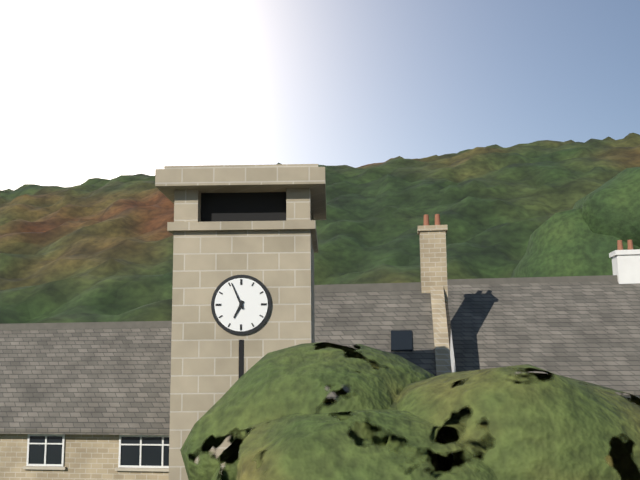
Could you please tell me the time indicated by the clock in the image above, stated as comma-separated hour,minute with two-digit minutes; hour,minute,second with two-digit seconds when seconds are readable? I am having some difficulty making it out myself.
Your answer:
6,56
